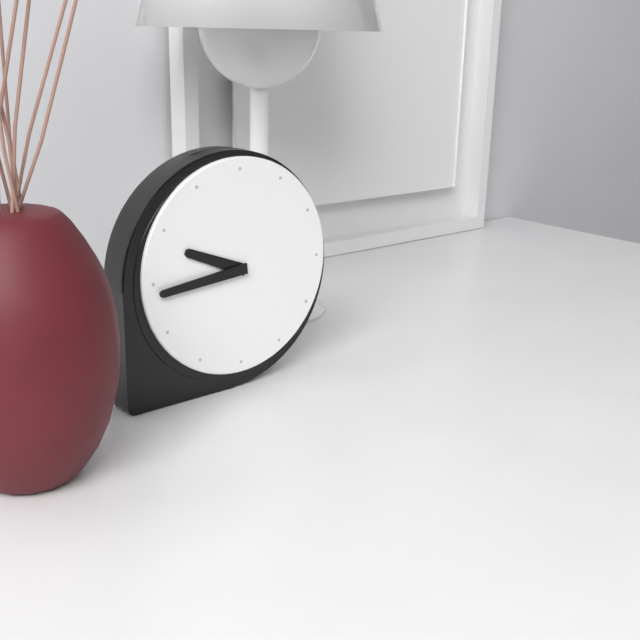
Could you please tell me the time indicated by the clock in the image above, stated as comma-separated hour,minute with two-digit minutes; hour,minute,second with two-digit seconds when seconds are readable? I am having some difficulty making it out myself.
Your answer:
9,44
